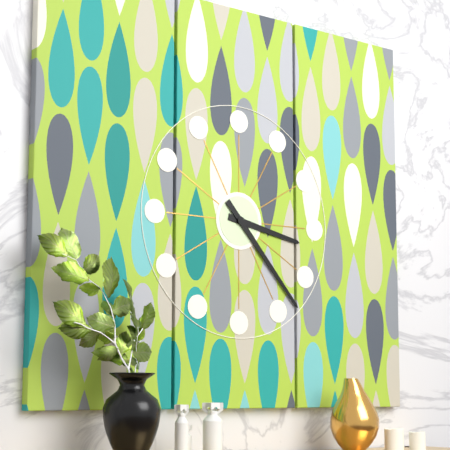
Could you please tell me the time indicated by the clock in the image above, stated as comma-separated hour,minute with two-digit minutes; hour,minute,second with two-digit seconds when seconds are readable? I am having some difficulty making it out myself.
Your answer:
3,23
